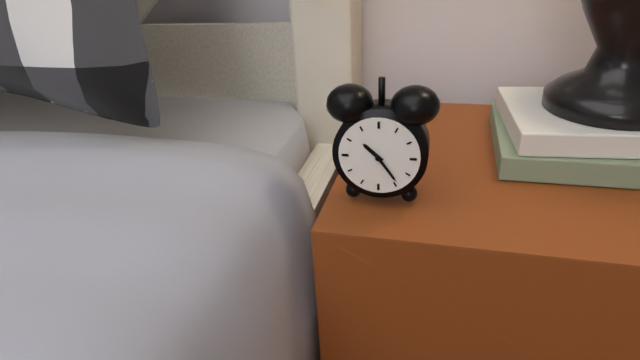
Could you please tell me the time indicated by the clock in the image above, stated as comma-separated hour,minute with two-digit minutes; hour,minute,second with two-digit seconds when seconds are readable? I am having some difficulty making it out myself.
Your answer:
10,24
